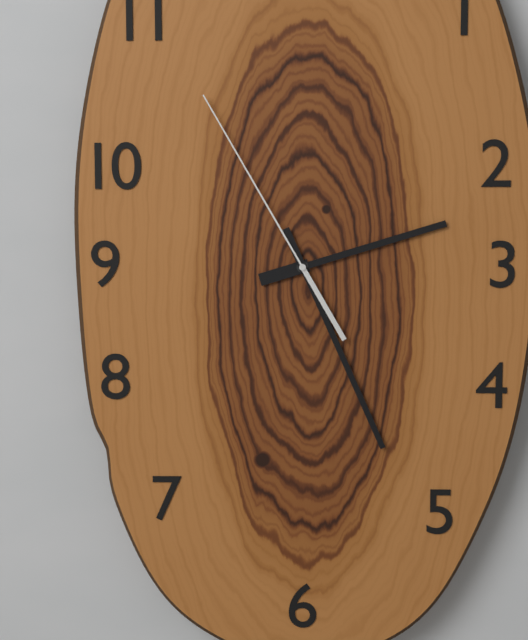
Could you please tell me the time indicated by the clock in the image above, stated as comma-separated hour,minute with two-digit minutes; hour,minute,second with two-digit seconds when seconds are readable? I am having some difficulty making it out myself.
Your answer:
2,26,55
